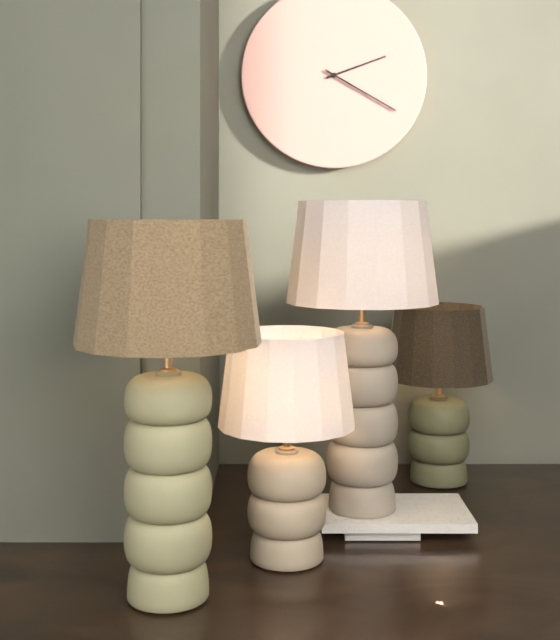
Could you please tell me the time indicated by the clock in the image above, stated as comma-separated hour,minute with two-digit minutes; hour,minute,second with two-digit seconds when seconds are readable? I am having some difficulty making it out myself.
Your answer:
2,20
